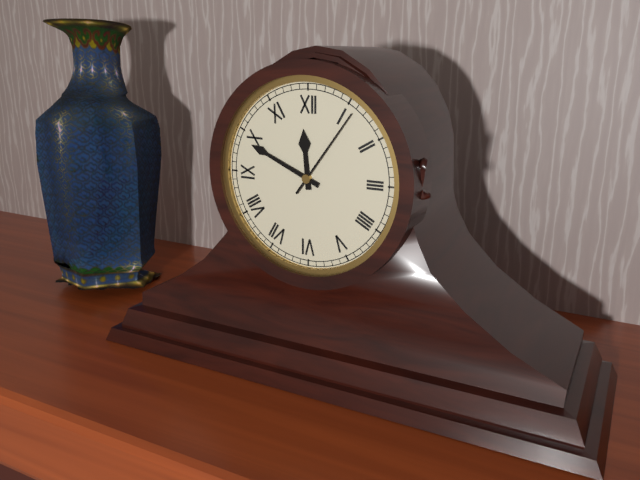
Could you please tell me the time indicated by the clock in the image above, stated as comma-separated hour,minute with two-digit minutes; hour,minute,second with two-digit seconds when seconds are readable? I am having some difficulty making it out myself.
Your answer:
11,49,06
